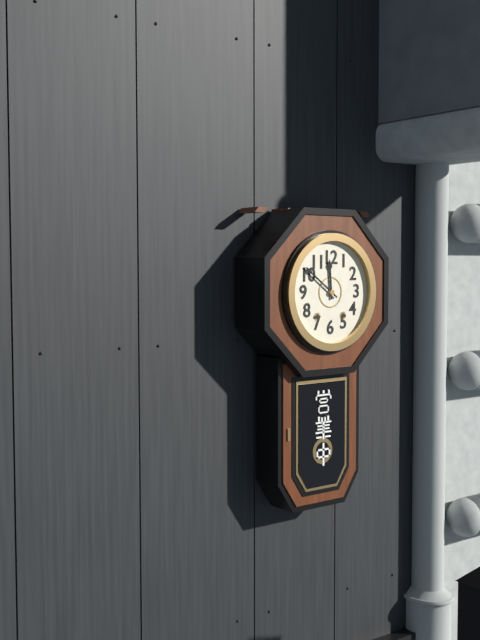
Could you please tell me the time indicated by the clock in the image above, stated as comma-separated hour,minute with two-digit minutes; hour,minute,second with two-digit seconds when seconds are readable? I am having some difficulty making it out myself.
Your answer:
11,51
